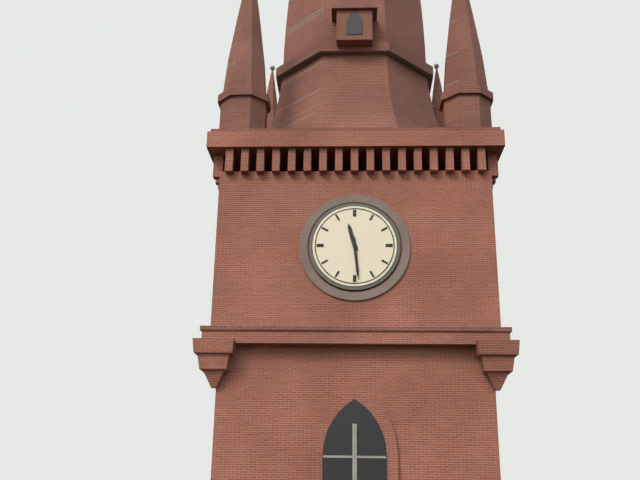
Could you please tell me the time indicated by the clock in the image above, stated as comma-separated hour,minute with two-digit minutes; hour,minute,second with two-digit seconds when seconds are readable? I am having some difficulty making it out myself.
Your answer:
11,29
